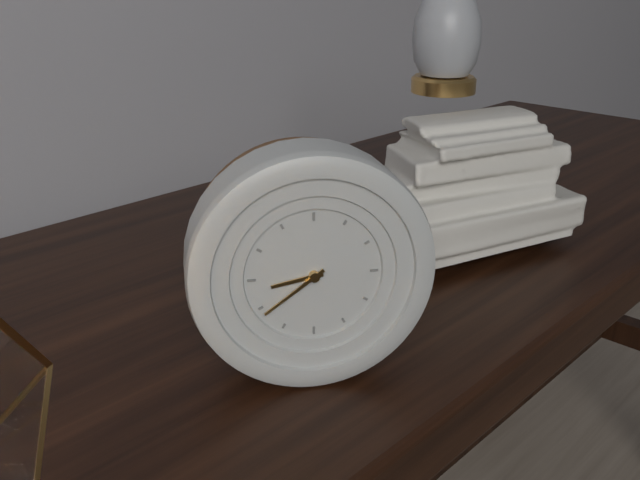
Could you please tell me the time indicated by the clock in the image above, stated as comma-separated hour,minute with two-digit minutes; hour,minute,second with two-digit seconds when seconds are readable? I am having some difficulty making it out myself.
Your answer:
8,39
